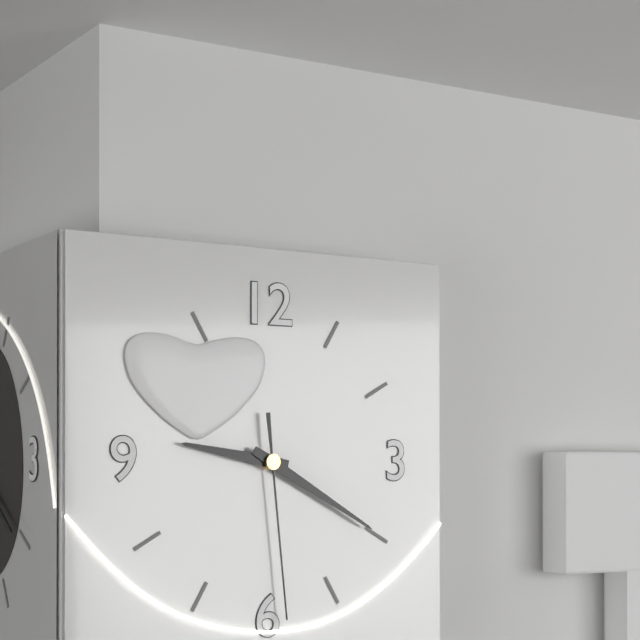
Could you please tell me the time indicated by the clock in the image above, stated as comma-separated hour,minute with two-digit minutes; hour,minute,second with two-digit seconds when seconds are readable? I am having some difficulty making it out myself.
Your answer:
9,20,29
